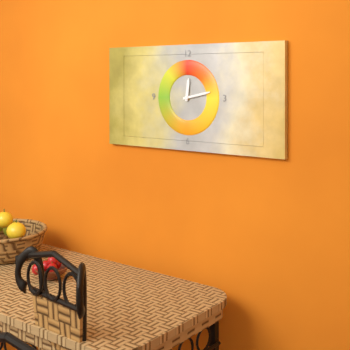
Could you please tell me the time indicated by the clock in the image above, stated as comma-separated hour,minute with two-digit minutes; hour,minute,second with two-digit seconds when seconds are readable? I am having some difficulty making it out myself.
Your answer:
12,13
